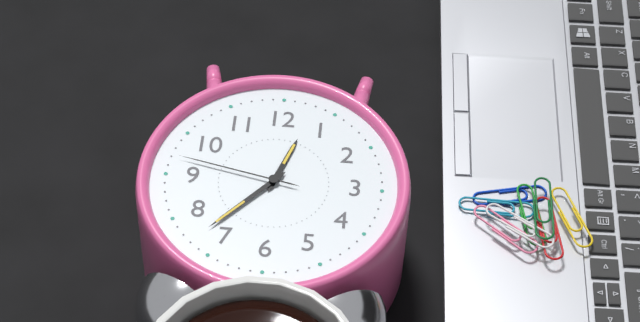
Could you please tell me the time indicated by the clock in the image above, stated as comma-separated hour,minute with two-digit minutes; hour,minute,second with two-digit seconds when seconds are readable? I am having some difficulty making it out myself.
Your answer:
12,37,47
